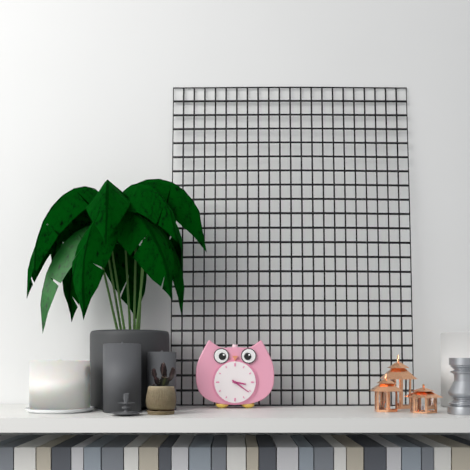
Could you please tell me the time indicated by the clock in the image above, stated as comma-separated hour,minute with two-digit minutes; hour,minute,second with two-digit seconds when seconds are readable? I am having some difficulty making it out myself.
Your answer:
3,21
